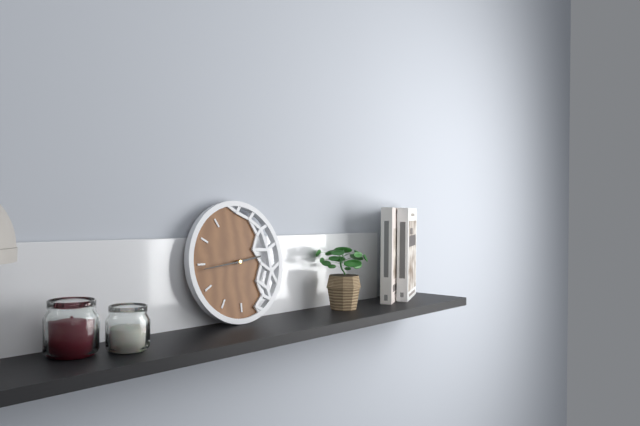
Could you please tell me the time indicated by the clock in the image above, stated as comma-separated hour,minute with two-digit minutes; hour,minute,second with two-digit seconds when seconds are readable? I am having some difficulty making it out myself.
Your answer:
2,44
